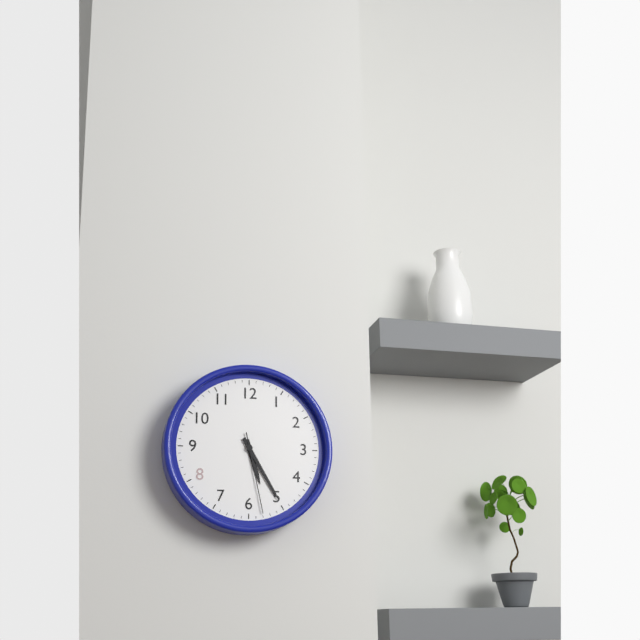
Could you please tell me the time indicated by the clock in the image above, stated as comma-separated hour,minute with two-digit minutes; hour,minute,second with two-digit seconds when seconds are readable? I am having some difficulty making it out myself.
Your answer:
5,25,28
